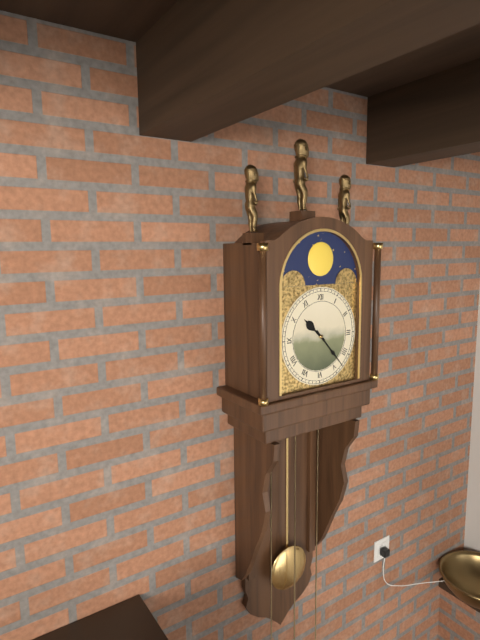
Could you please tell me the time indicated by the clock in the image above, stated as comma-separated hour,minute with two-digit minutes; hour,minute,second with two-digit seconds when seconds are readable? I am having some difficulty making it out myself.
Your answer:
10,23
